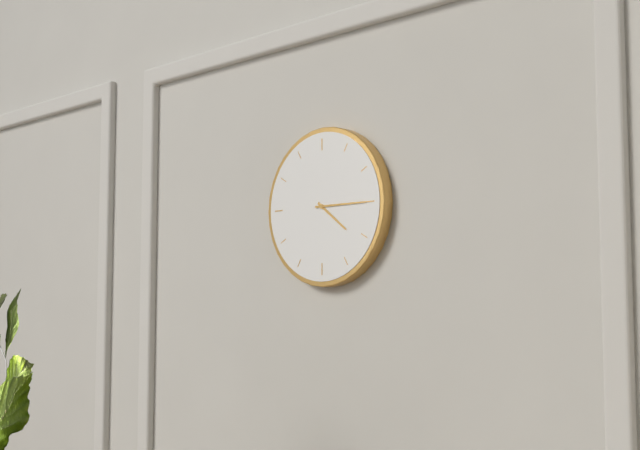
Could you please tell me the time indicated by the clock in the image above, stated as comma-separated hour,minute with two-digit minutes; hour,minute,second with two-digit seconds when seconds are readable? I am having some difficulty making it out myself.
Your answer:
4,15
